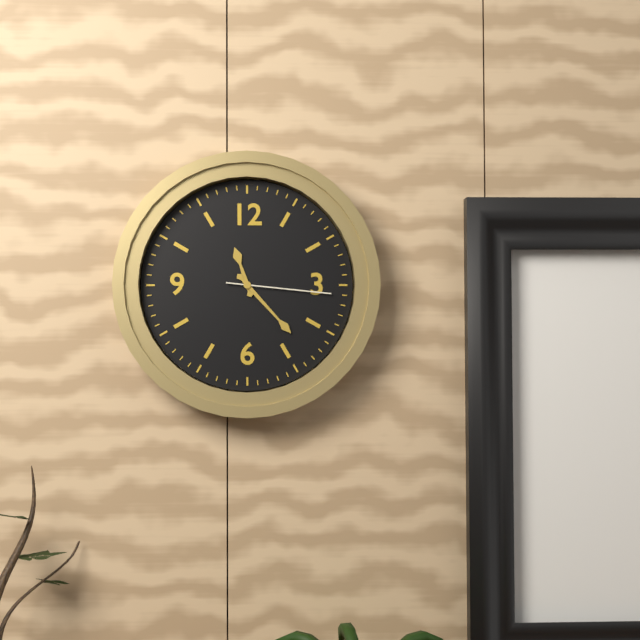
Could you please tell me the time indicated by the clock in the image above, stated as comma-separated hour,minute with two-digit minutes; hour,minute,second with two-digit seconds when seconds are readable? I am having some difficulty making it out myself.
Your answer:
11,23,16
